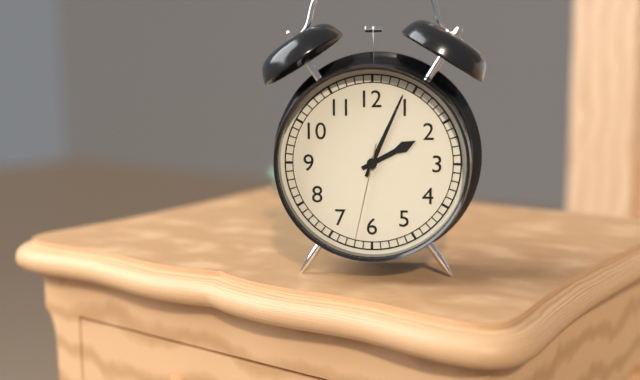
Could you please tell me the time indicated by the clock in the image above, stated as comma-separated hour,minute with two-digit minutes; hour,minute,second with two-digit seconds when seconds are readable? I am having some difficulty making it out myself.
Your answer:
2,04,32
